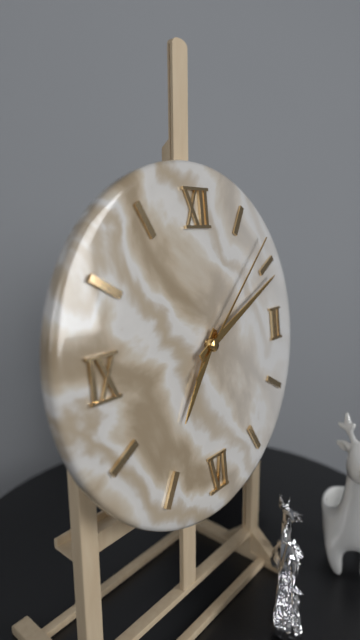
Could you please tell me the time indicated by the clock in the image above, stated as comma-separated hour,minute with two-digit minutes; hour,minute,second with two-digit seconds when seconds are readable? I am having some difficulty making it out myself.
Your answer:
7,11,08
